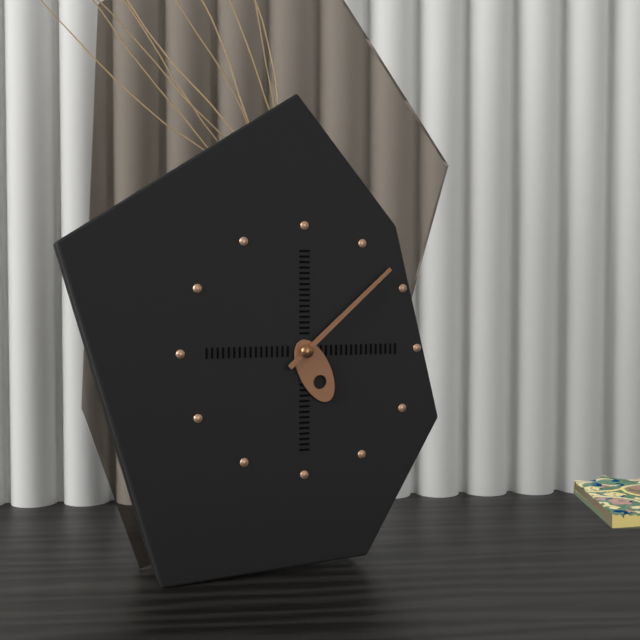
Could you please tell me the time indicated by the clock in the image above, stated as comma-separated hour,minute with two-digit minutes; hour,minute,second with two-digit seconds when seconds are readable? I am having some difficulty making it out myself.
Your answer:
5,08
